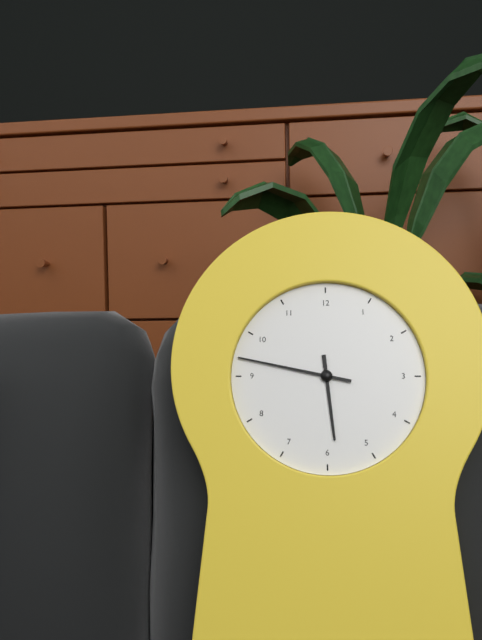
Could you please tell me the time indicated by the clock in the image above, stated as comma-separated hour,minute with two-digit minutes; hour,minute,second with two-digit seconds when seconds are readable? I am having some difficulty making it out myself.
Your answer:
5,47
